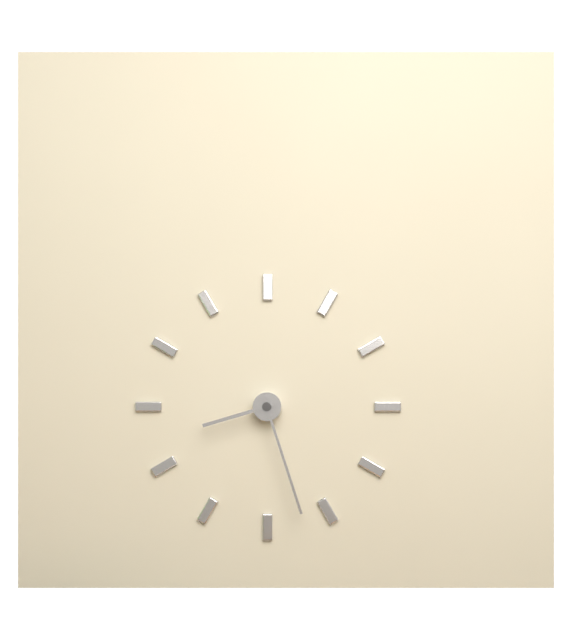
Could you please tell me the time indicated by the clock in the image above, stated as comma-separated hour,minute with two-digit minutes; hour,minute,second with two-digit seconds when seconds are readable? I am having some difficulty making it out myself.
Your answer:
8,27
